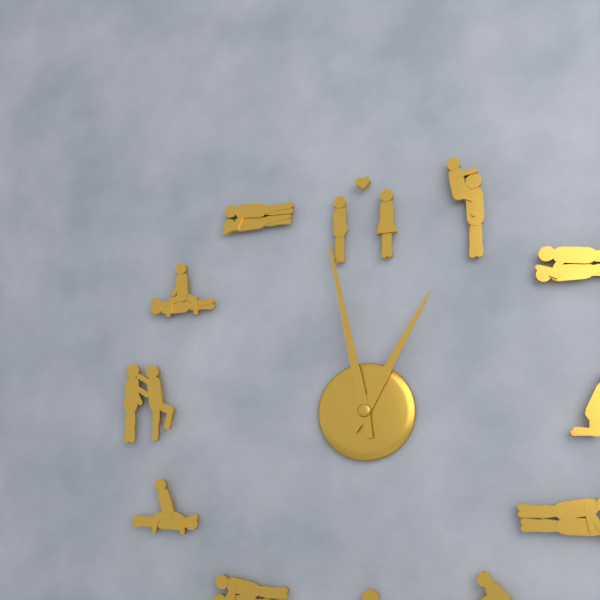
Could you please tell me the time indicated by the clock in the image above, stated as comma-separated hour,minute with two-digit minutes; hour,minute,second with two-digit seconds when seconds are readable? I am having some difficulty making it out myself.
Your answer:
12,58
